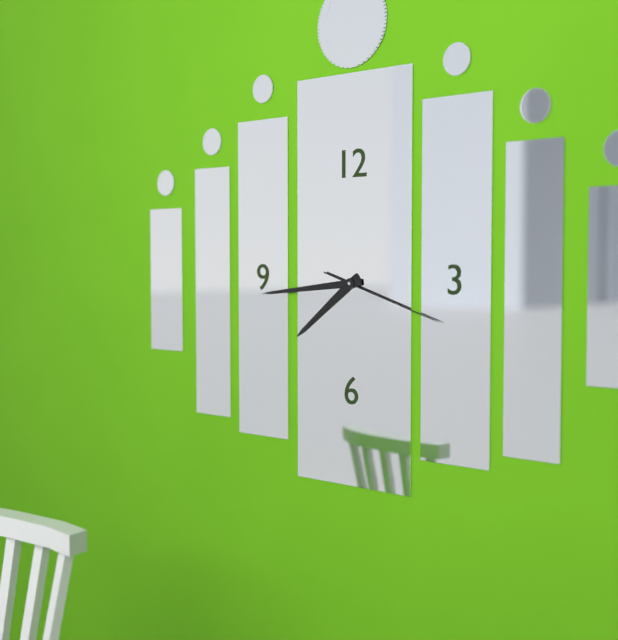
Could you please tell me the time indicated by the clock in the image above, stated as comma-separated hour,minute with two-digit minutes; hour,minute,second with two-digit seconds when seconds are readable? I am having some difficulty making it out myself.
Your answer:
7,44,18
